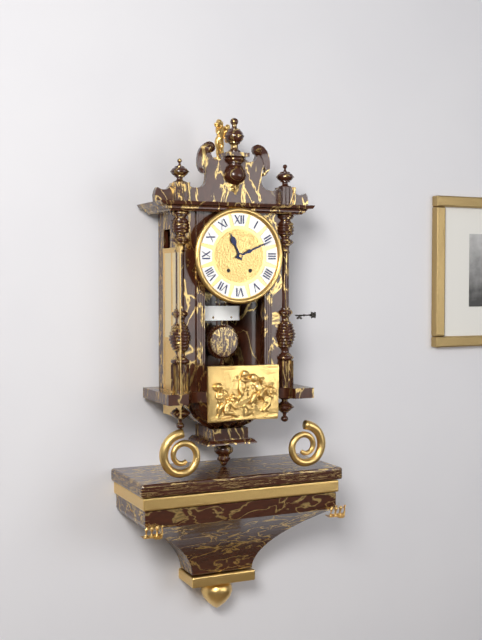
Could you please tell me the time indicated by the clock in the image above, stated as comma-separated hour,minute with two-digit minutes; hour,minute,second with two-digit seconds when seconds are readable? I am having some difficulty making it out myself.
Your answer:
11,11
